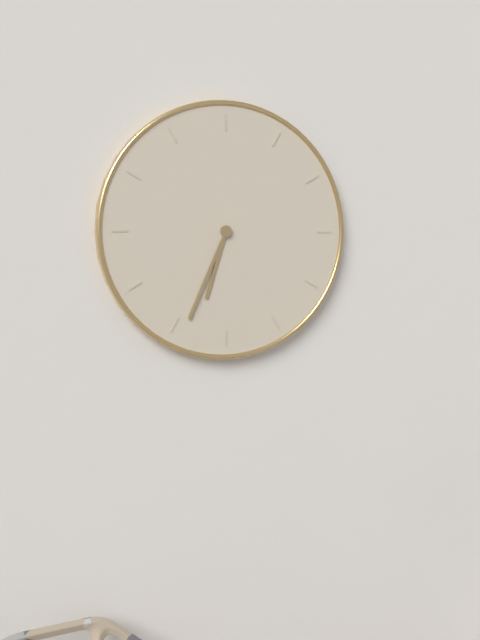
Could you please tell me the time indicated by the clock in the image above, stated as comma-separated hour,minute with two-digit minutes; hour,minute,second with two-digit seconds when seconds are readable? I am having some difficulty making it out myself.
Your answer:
6,34
